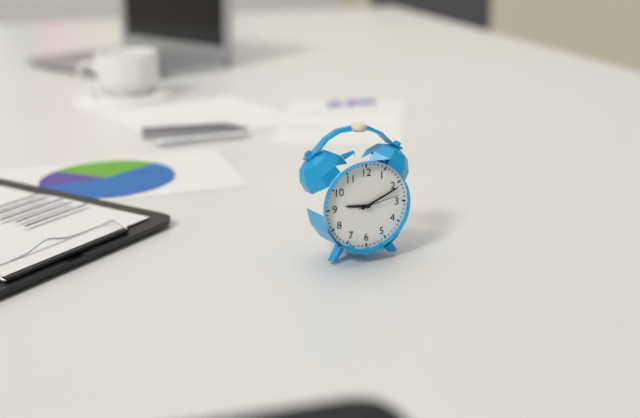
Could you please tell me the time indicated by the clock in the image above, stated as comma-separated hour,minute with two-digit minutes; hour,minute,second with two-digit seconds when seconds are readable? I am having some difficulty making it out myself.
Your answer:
9,11
